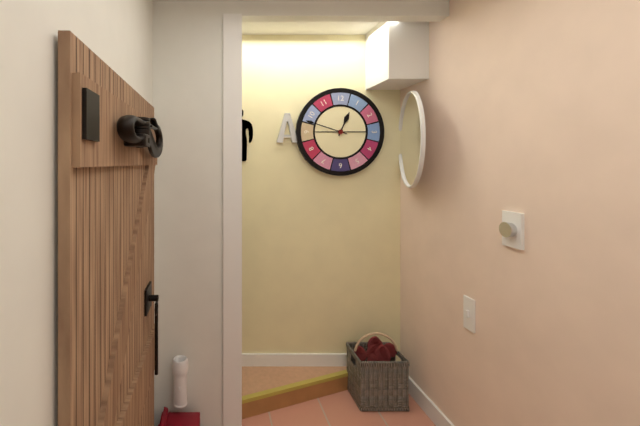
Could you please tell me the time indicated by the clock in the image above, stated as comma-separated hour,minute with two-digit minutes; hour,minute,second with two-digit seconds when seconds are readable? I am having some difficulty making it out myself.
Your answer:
12,48
